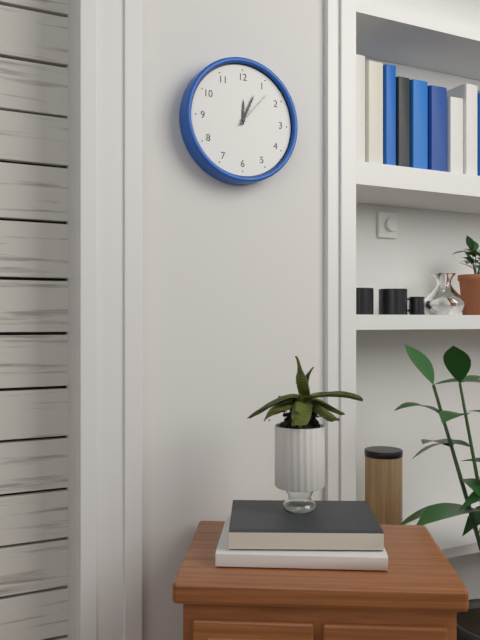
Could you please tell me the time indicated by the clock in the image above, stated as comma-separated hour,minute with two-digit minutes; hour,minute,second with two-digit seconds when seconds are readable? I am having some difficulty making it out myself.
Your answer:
12,04
